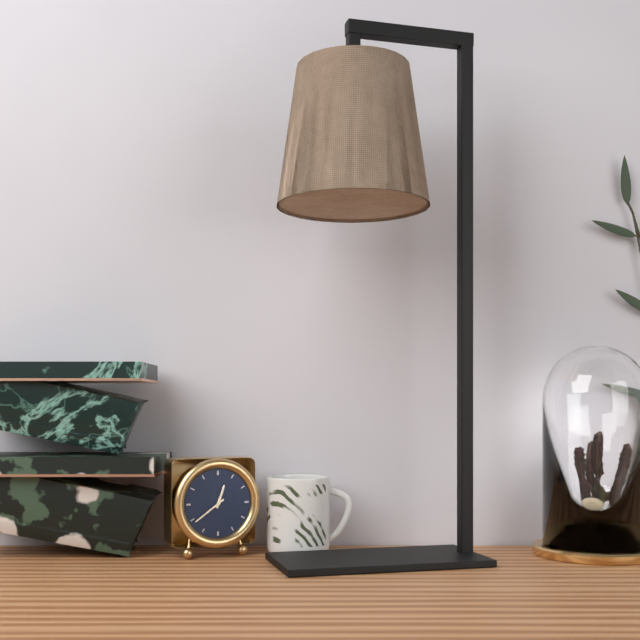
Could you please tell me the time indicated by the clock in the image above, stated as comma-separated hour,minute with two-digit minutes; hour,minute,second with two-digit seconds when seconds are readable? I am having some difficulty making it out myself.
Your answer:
12,39
